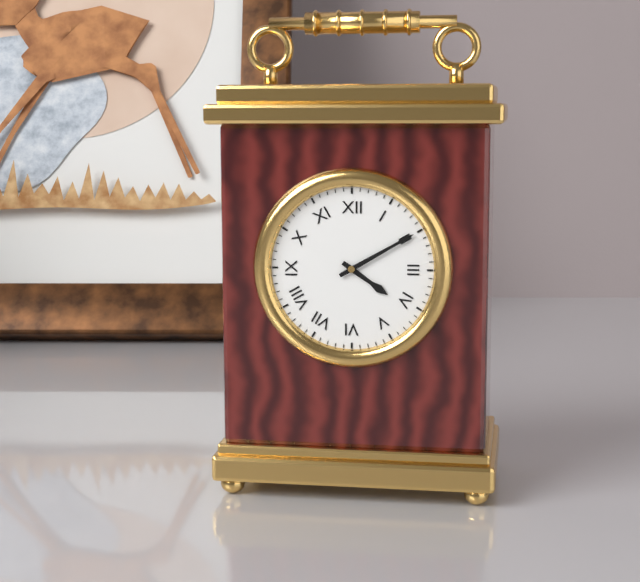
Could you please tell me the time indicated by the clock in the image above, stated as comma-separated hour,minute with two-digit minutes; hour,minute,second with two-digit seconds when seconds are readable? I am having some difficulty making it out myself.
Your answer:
4,10
